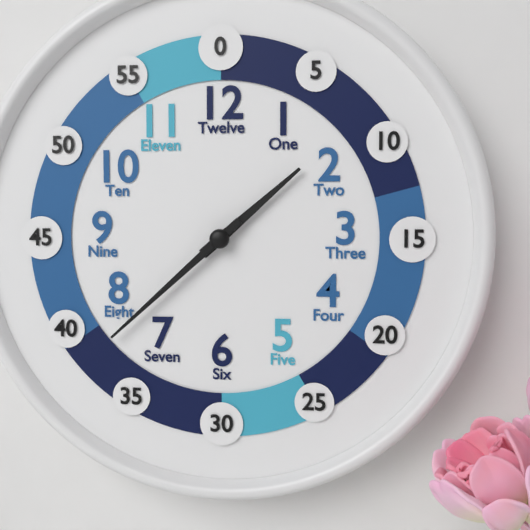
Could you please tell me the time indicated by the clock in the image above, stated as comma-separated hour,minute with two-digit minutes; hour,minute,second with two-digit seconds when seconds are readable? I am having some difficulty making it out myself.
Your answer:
1,38
